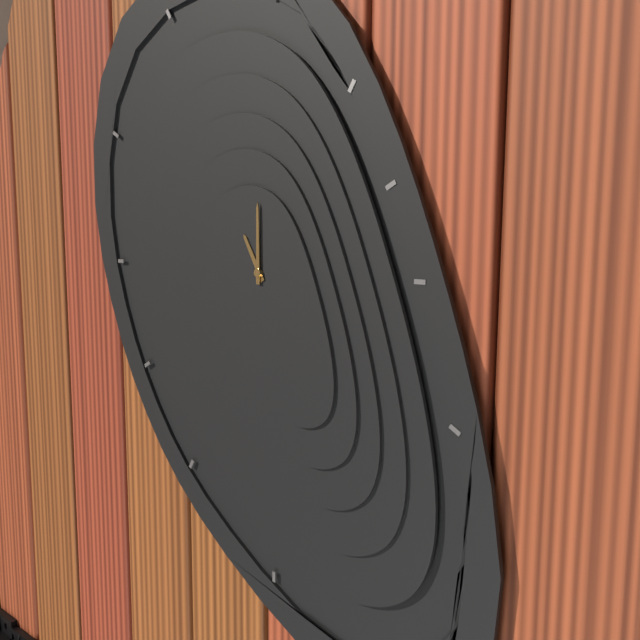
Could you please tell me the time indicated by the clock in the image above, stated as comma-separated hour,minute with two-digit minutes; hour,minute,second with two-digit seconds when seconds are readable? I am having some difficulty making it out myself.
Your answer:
11,00
